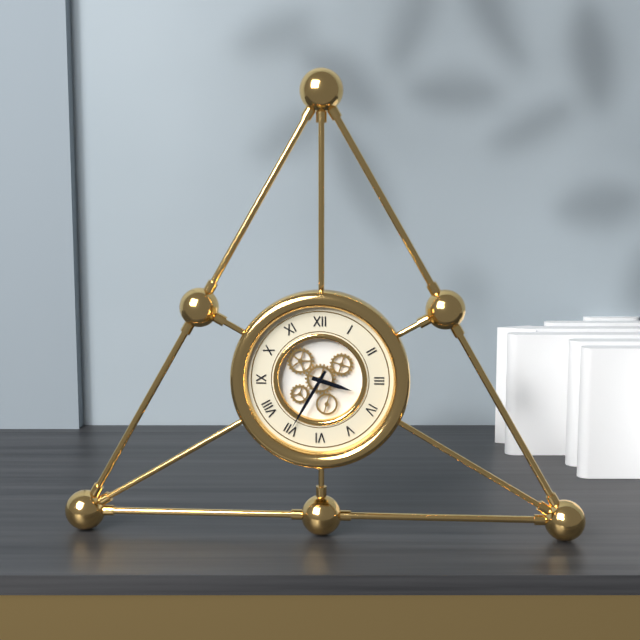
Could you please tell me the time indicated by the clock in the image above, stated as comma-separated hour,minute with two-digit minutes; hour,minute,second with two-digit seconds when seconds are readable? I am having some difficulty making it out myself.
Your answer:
3,35
